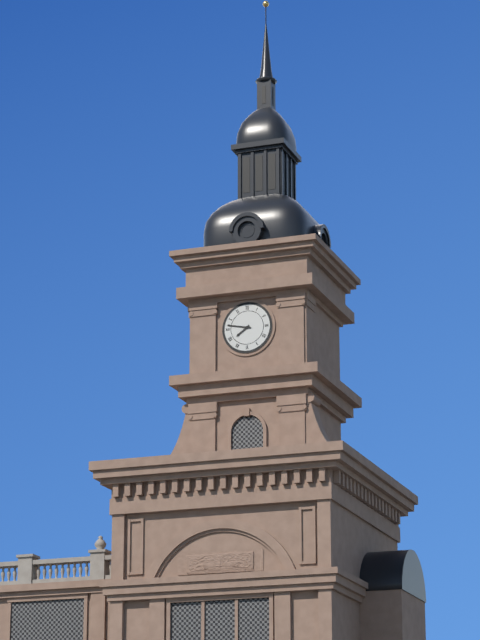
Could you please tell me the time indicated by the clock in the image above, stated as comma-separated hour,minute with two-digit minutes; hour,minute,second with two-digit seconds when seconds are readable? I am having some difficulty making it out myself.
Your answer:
7,47
